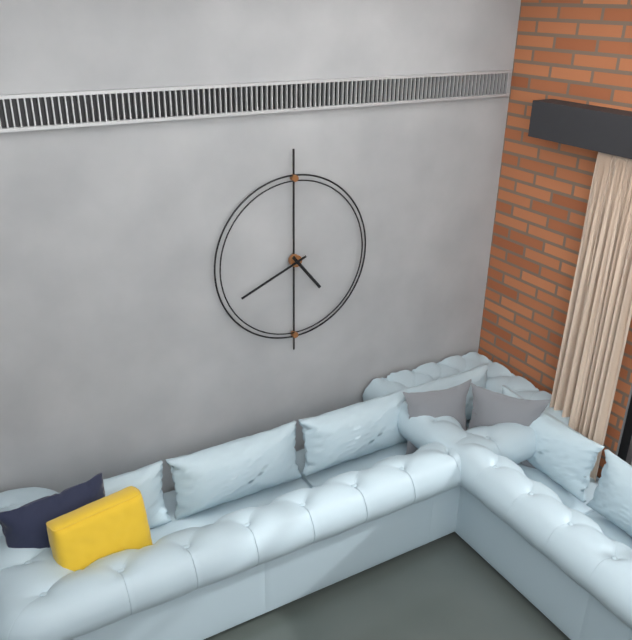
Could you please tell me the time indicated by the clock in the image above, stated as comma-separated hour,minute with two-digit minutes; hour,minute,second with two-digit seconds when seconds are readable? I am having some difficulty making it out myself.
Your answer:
4,41
